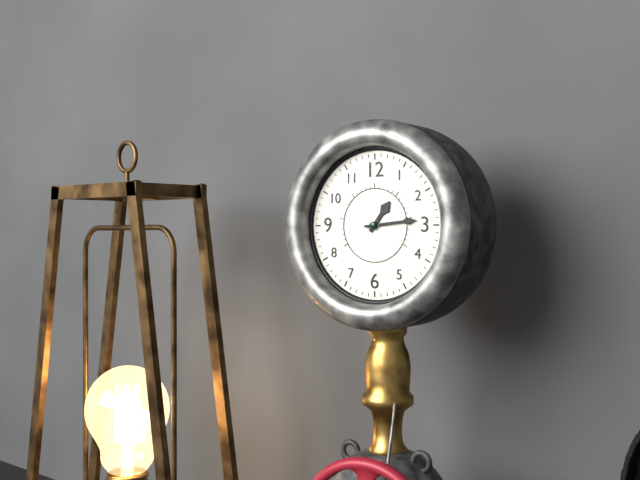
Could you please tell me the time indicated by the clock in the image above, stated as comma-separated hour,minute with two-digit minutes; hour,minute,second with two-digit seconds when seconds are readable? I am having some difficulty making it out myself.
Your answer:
1,14
